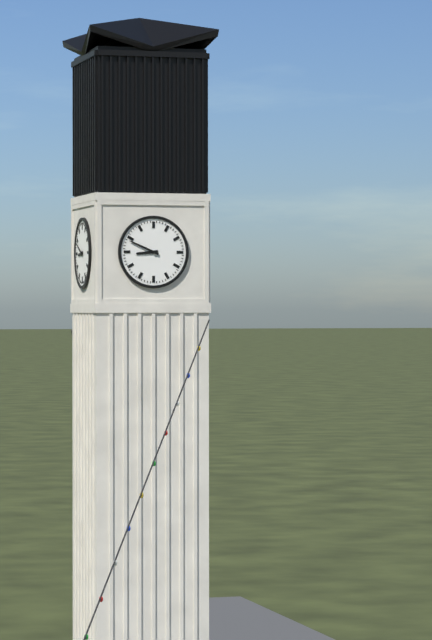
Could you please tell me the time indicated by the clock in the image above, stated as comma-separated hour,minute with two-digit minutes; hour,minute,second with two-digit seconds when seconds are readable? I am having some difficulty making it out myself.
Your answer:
8,49
